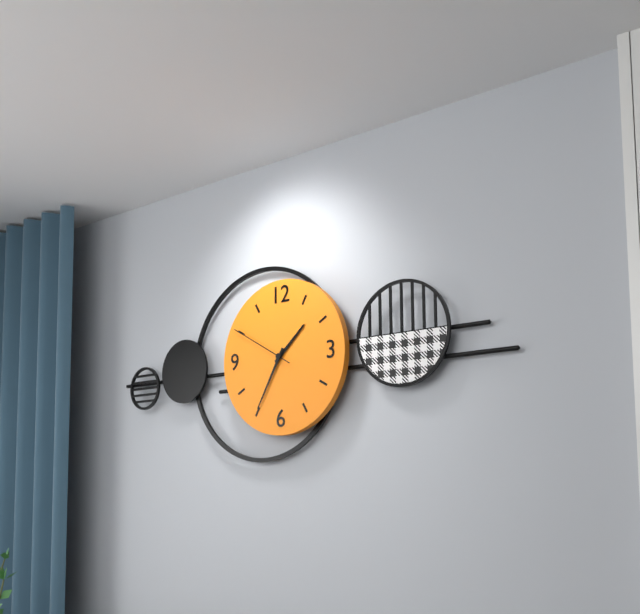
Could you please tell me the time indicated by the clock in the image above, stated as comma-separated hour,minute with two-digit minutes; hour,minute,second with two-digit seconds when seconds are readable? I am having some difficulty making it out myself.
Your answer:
1,35,50
